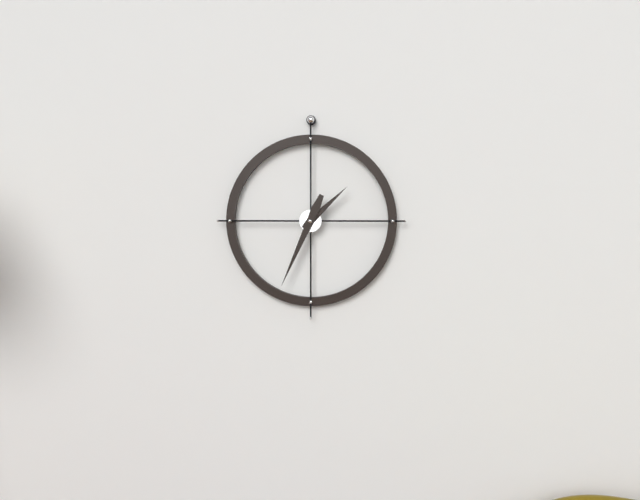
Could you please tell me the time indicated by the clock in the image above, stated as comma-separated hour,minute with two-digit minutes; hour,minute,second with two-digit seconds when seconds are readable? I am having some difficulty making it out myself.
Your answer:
1,34
